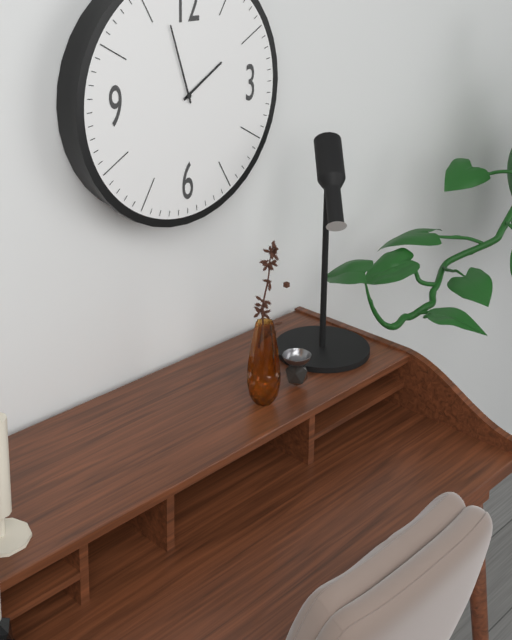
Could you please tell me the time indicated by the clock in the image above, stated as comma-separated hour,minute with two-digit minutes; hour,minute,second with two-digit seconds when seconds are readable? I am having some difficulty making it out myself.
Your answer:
1,57
